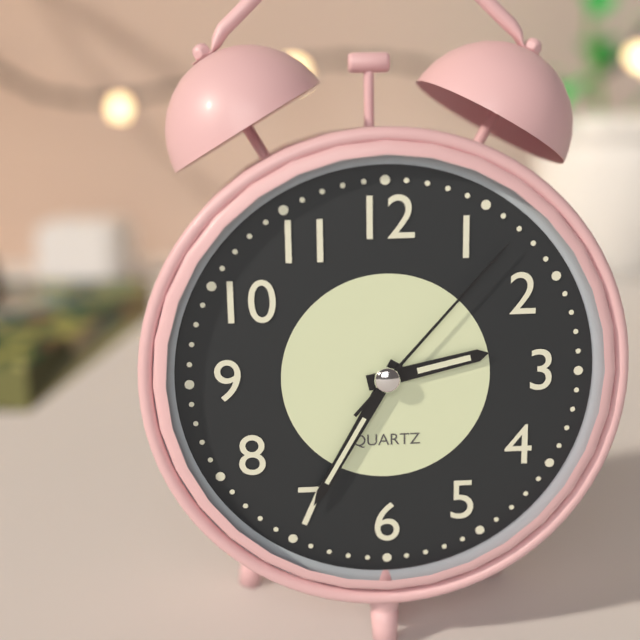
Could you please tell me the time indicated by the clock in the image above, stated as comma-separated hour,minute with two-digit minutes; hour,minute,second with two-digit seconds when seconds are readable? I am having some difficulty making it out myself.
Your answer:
2,35,07
